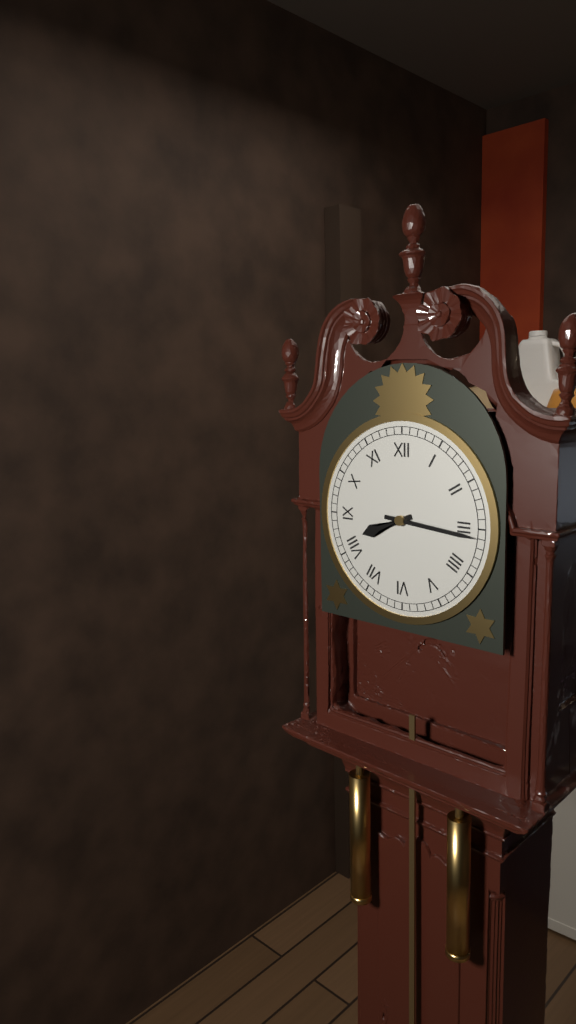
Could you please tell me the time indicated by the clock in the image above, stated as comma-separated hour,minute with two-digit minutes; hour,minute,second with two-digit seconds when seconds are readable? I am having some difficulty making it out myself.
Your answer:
8,16
